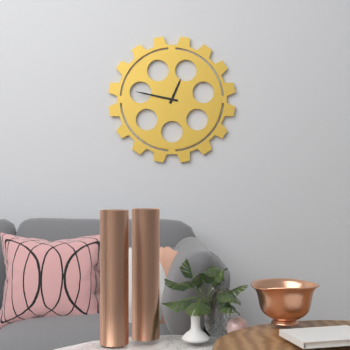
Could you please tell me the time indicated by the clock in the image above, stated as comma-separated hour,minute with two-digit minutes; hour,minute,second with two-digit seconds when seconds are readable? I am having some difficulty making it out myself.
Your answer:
12,47
